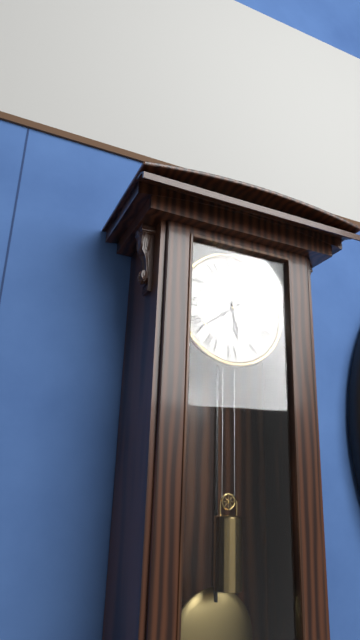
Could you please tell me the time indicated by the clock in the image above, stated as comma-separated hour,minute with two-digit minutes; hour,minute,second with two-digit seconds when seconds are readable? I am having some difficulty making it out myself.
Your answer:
5,39
